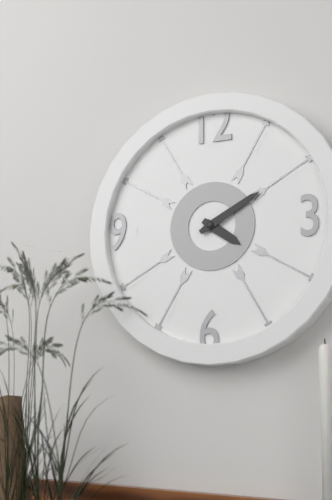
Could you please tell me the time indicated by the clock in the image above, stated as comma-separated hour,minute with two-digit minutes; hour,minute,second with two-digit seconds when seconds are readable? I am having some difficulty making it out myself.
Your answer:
4,10
